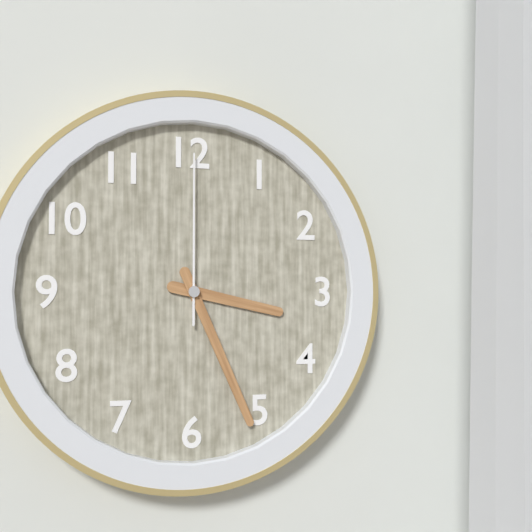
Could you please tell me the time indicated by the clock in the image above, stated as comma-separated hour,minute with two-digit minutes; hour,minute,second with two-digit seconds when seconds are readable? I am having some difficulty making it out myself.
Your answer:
3,26,00
